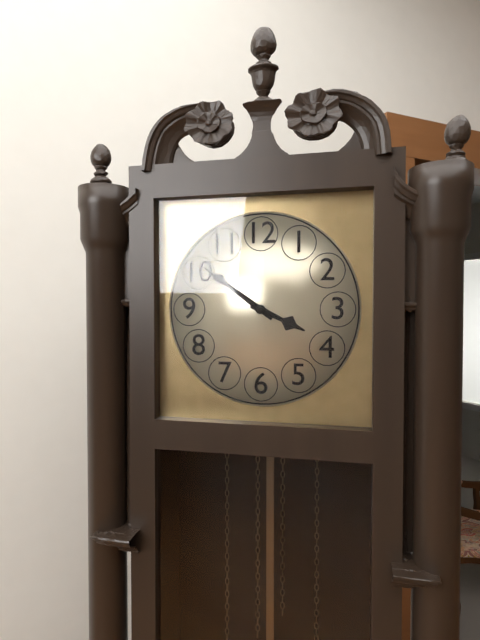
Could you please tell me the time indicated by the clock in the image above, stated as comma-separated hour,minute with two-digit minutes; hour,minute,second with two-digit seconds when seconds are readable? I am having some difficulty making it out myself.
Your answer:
3,51
